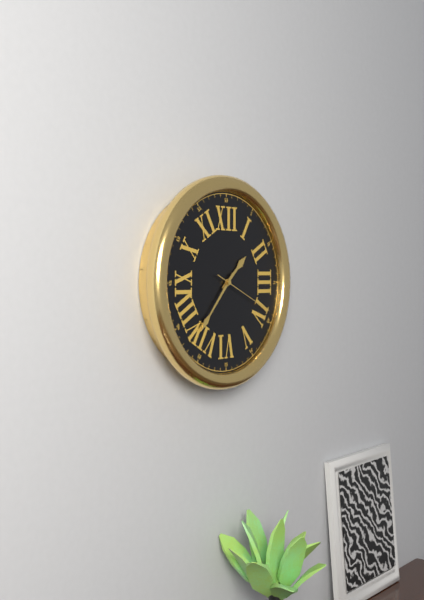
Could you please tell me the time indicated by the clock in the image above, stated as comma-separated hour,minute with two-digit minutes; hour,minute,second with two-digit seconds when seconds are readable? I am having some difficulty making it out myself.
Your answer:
1,37,19
